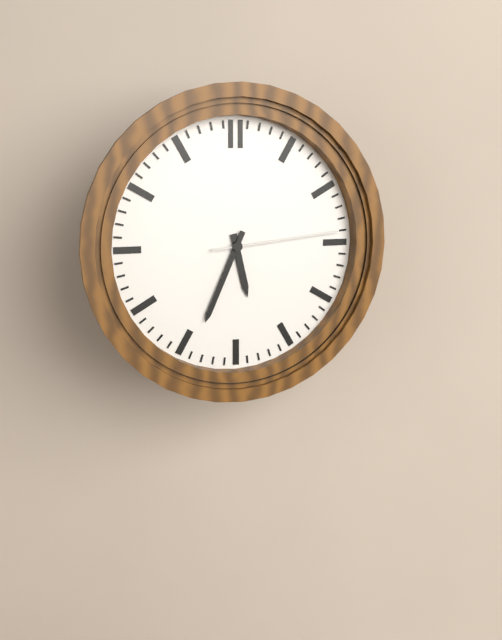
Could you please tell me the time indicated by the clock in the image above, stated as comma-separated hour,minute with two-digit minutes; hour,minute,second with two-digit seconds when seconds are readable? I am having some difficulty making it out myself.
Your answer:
5,34,14
